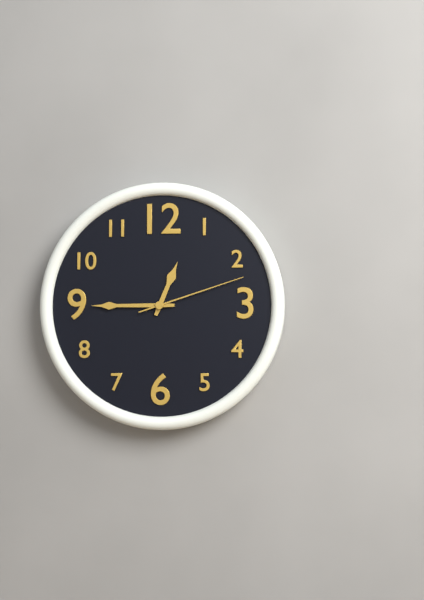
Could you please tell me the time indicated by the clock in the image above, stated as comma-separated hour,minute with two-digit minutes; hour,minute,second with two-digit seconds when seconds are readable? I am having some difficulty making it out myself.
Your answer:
12,45,12
